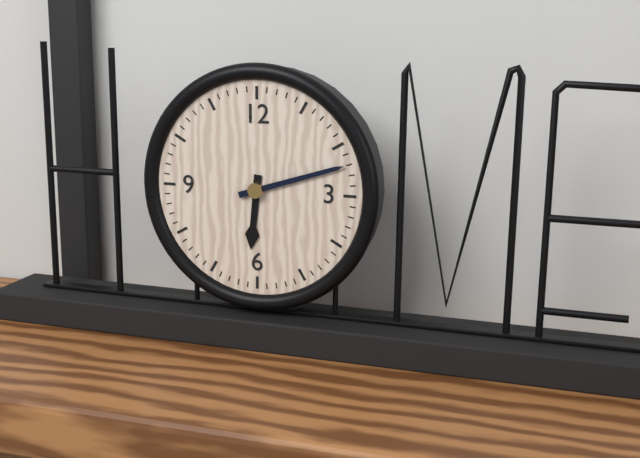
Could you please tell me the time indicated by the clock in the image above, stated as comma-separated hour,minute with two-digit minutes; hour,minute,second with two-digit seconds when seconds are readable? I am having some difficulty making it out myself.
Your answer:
6,12
